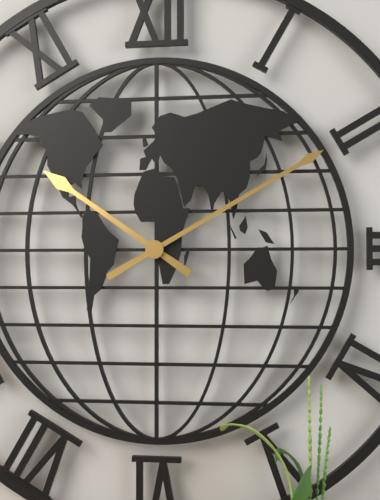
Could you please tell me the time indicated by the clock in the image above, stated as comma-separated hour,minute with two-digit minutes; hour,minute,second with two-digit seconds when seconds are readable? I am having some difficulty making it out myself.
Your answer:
10,10
